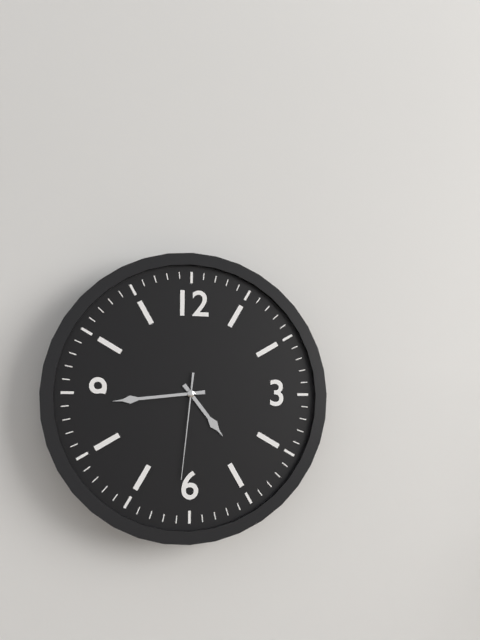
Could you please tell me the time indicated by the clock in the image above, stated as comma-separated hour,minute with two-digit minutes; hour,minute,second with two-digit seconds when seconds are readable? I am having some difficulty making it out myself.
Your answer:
4,44,31
